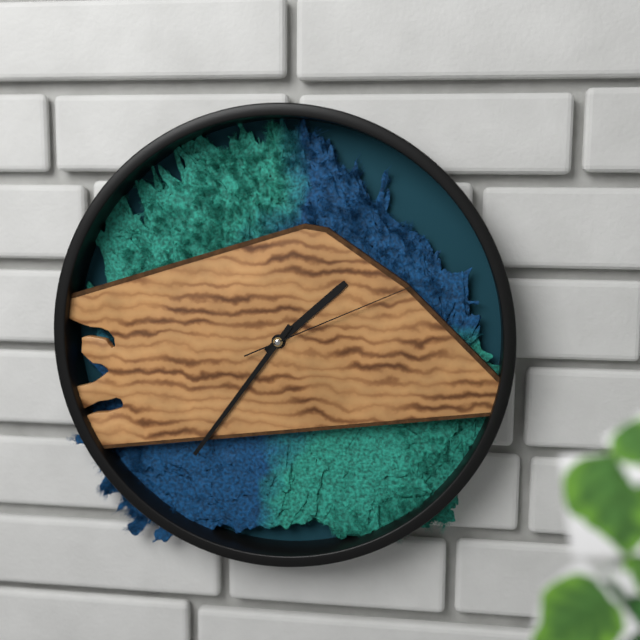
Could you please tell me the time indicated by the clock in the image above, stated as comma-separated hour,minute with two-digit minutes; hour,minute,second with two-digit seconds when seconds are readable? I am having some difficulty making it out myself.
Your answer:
1,36,11
